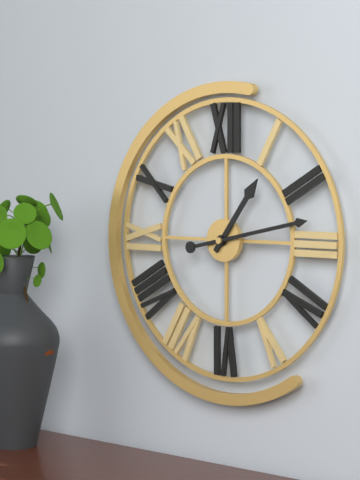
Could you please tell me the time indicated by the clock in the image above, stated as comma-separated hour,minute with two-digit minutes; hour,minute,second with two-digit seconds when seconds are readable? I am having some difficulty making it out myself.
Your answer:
1,13
